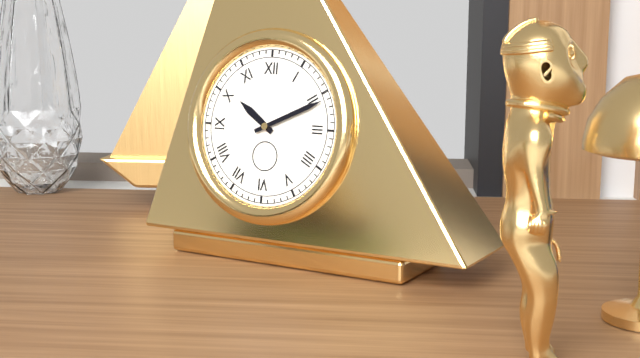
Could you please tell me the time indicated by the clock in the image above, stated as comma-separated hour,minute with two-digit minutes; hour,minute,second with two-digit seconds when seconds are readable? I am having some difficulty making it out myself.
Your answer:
10,11
